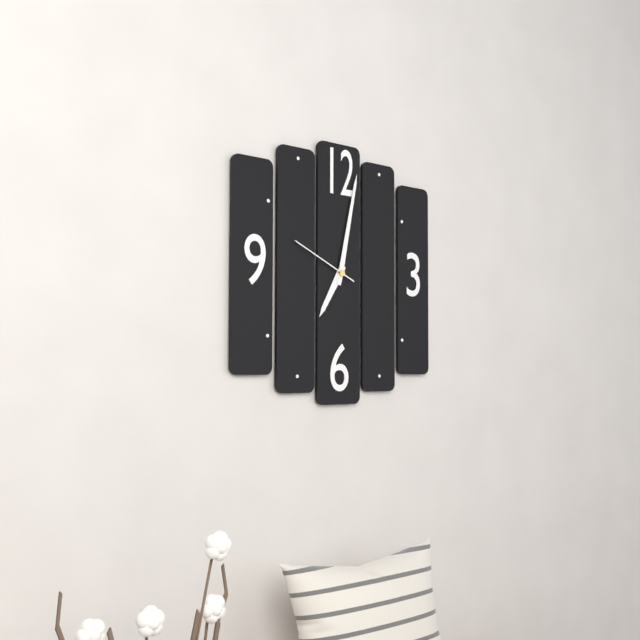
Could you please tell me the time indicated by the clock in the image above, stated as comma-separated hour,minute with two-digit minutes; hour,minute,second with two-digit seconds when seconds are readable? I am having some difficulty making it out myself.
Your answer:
7,02,49
